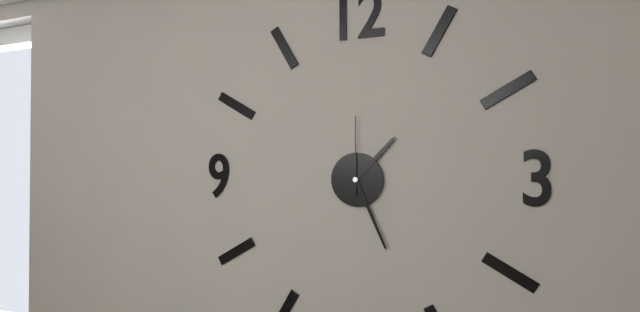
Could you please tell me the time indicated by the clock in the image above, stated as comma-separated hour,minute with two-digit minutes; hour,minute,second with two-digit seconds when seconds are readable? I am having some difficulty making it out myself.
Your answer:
1,26,00
